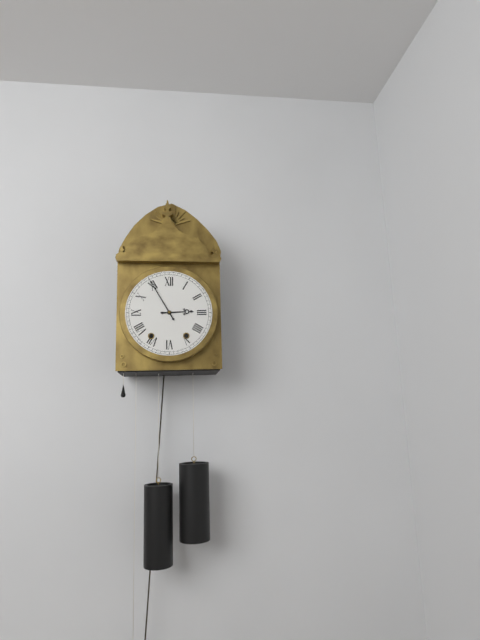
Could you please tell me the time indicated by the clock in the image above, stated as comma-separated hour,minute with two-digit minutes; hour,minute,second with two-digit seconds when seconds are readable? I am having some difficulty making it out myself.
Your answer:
2,55
